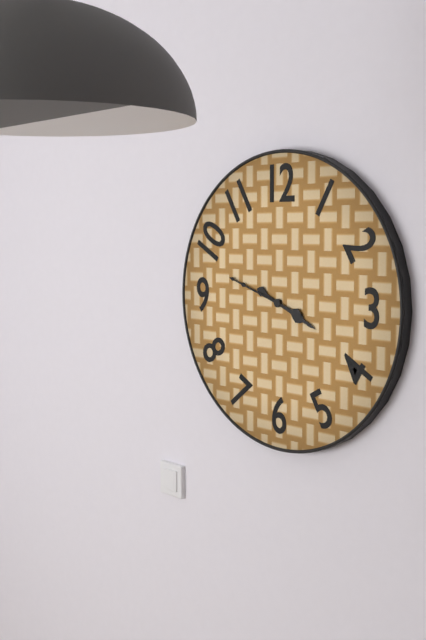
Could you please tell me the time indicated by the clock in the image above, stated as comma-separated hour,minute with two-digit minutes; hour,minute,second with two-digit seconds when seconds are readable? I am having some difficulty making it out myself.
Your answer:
3,48
